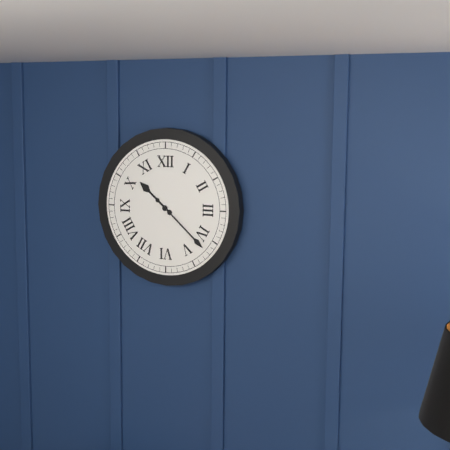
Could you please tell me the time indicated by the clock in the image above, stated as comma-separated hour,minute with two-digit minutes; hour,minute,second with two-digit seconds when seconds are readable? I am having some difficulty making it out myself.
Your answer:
10,22
